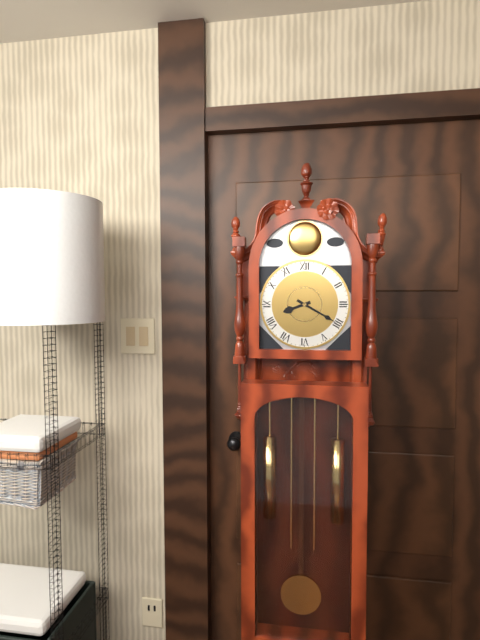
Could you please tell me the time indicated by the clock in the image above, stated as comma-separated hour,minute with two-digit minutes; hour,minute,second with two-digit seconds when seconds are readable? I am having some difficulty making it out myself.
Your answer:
8,20
